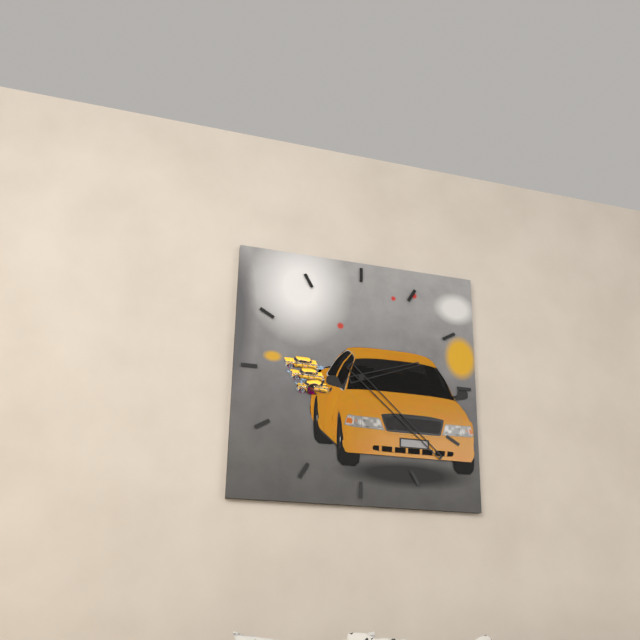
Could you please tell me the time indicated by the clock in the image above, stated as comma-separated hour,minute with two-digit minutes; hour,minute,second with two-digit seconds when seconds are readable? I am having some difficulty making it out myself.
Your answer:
2,22
